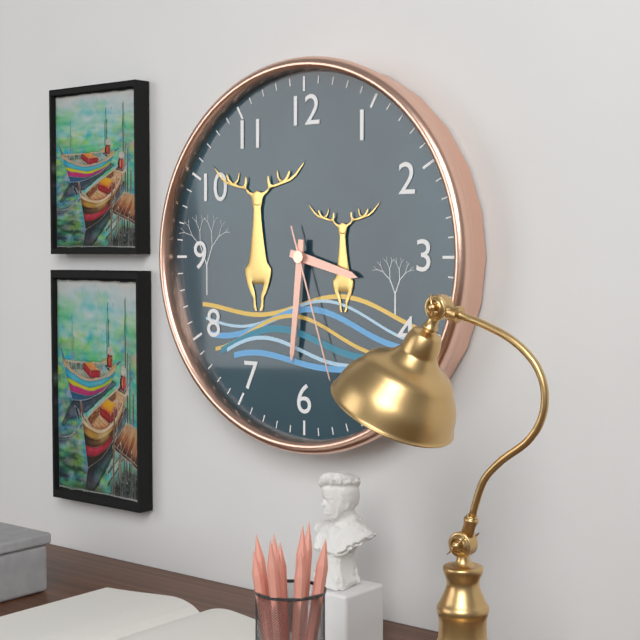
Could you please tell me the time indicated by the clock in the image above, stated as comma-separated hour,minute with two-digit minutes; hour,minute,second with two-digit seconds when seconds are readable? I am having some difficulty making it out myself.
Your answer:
3,31,27
